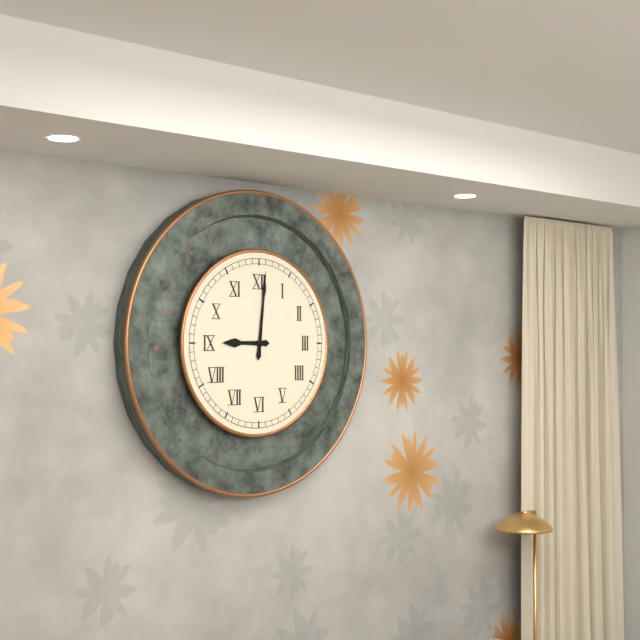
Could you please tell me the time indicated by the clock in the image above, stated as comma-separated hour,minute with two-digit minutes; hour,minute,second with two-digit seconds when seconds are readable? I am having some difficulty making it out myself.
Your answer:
9,01
